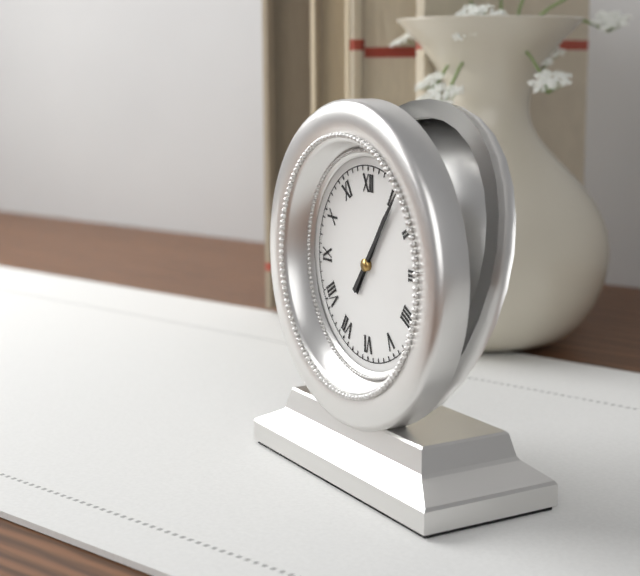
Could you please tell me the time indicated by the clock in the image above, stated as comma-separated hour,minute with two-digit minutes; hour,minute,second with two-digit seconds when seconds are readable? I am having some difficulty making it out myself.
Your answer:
1,06
